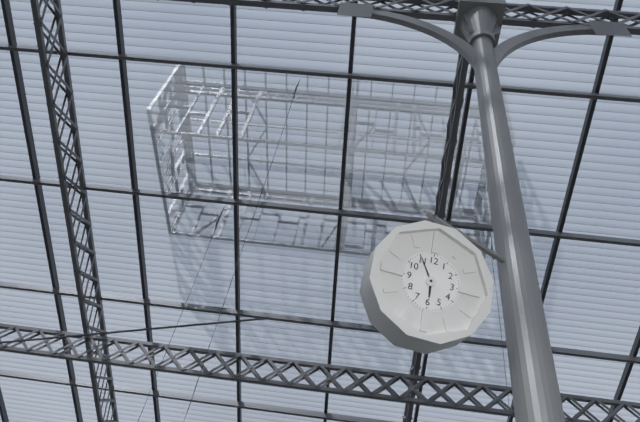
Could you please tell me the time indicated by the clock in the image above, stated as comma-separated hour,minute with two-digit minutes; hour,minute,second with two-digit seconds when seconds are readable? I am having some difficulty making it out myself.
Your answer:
5,55
